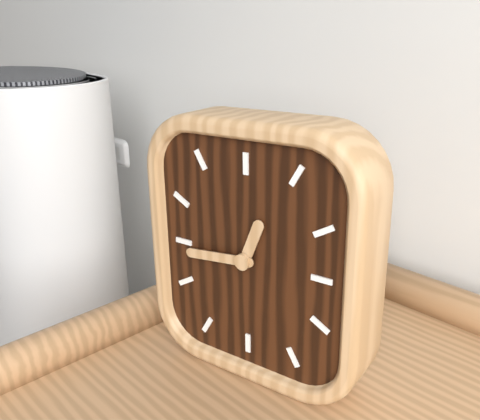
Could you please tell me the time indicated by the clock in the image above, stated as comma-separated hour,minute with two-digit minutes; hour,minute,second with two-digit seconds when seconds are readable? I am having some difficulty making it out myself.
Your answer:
12,44
